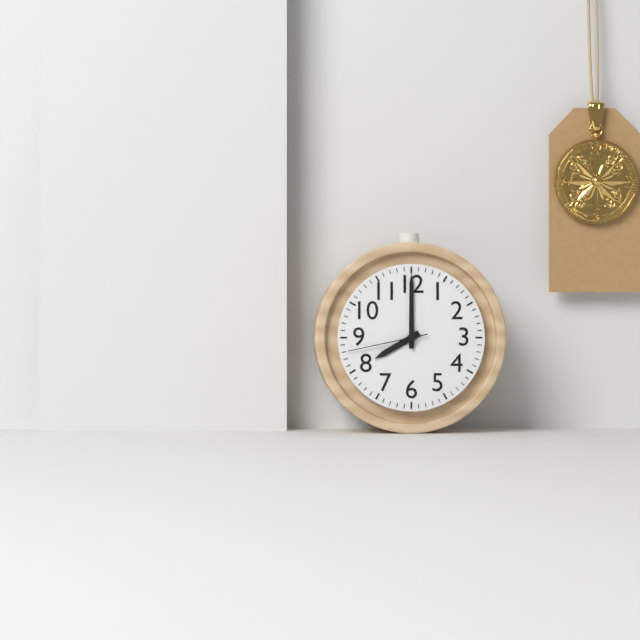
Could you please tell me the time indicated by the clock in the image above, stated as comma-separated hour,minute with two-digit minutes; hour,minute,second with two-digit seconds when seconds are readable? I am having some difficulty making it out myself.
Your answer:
8,00,43
